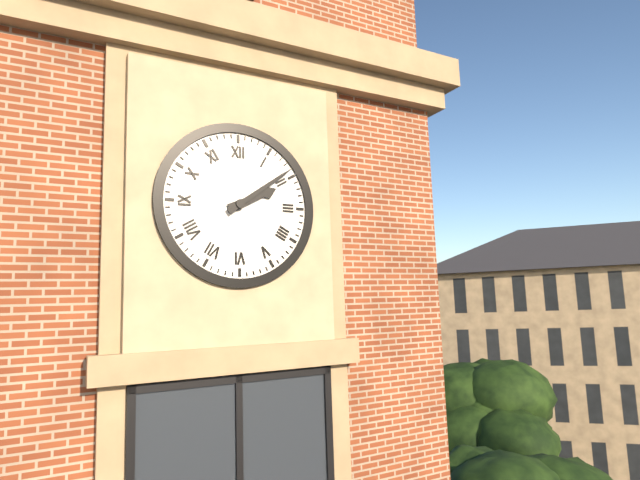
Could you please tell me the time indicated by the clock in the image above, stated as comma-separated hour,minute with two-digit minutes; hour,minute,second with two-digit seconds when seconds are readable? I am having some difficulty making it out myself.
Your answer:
2,09
